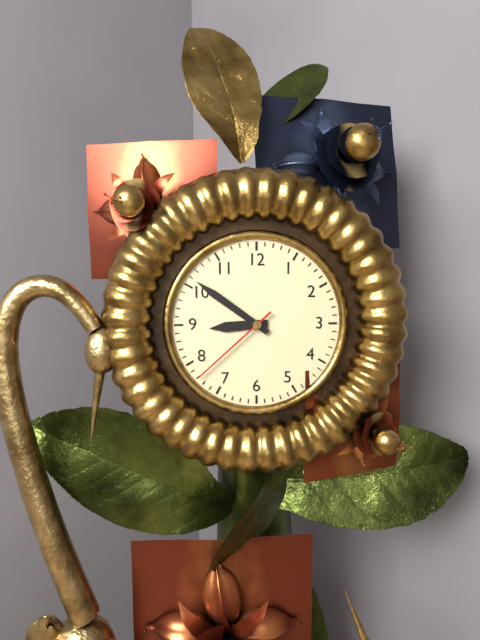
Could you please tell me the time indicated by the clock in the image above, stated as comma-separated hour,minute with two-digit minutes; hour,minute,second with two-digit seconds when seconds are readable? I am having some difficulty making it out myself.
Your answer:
8,51,38
